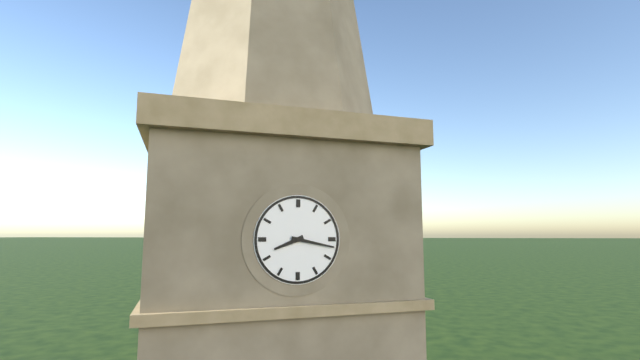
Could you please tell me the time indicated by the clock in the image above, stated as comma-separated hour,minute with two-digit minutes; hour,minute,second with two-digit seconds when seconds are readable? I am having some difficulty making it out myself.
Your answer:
8,17
